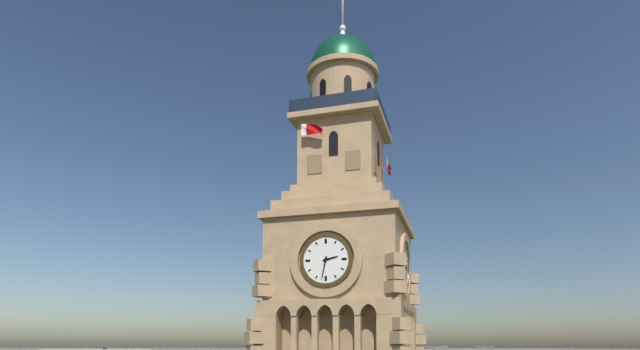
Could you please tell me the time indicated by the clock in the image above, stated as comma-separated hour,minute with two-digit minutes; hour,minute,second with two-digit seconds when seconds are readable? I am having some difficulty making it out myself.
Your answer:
2,32
